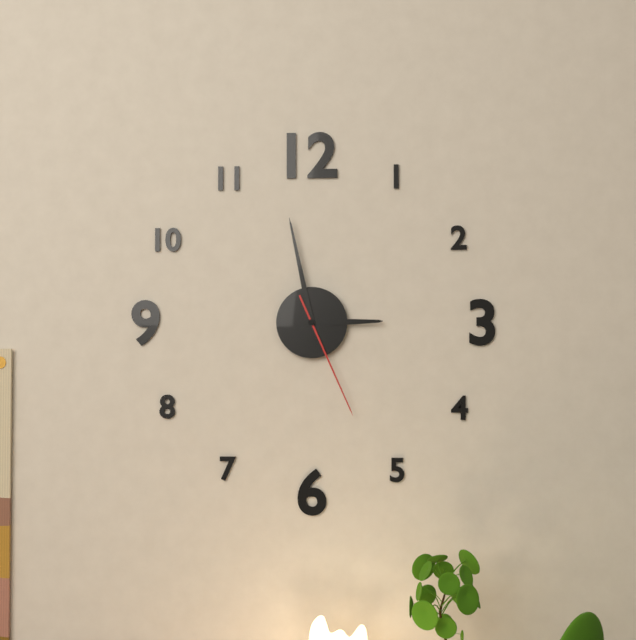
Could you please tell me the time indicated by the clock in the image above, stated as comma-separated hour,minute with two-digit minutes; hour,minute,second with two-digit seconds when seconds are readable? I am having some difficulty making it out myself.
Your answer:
2,58,26
